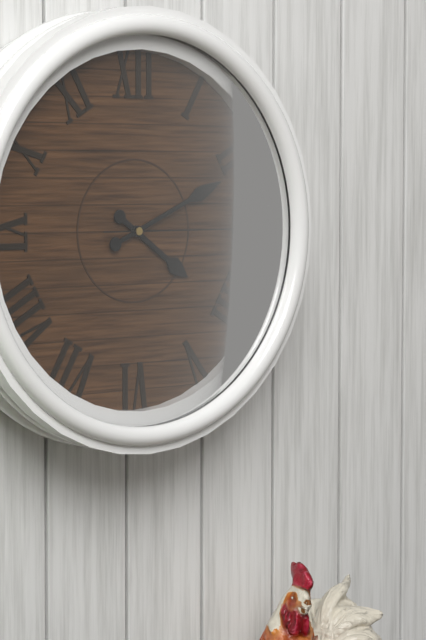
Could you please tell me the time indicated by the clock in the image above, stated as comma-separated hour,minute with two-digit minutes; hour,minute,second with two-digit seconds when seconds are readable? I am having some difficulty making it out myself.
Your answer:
4,11,15
